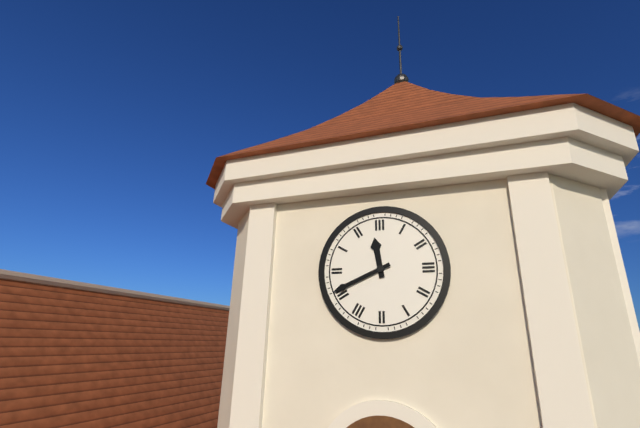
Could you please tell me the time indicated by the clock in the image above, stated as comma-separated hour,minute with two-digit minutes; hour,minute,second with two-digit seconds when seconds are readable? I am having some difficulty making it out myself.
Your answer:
11,41
